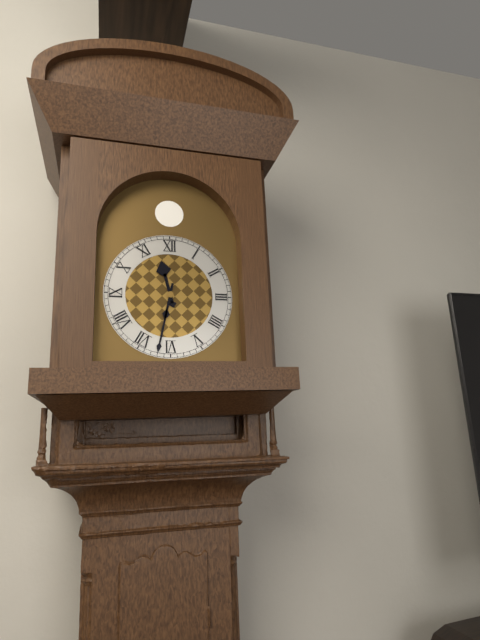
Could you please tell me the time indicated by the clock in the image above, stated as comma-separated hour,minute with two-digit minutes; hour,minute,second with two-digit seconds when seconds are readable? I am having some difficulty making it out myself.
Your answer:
11,32
